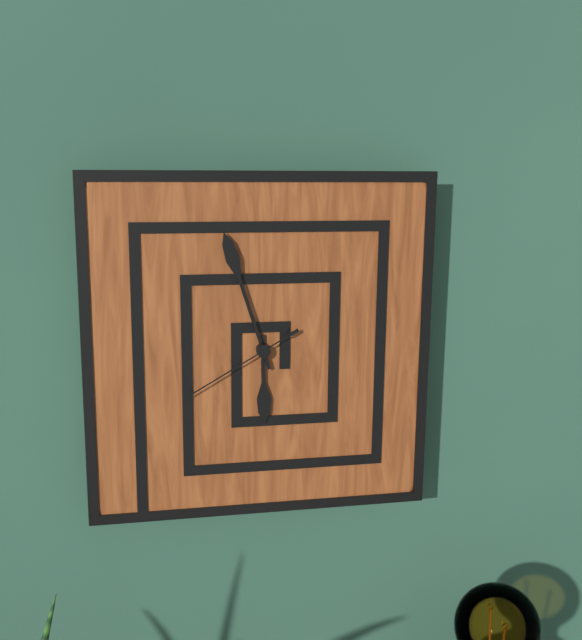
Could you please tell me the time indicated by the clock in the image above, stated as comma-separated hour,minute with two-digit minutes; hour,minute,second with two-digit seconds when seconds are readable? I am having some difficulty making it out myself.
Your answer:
5,57,40
